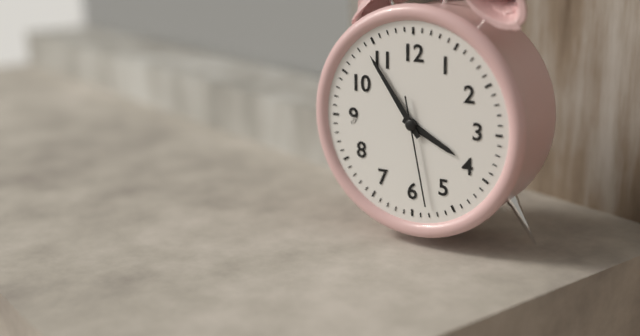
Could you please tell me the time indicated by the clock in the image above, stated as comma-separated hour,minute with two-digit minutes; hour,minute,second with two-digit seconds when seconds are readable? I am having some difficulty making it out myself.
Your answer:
3,54,28
